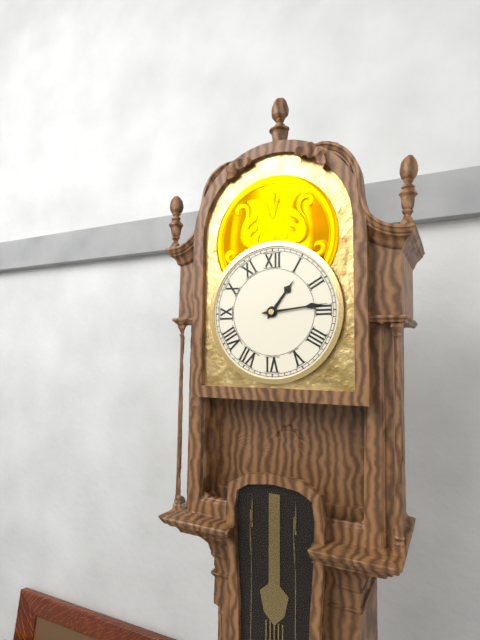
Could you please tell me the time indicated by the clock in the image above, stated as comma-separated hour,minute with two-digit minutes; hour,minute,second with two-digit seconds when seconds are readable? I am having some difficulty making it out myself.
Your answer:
1,14
